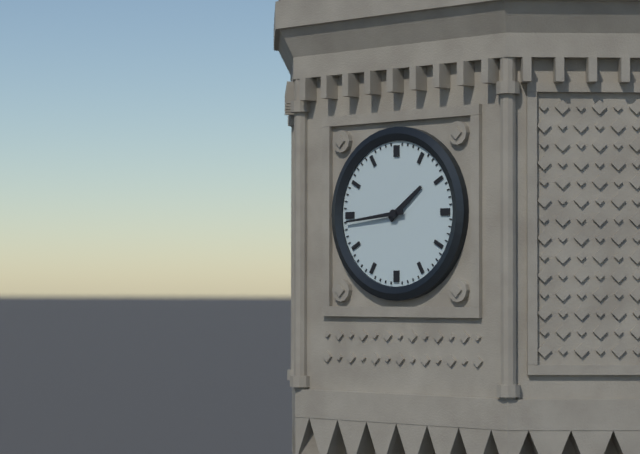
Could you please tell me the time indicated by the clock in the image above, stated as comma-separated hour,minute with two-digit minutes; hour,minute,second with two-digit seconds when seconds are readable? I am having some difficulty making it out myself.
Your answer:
1,44
